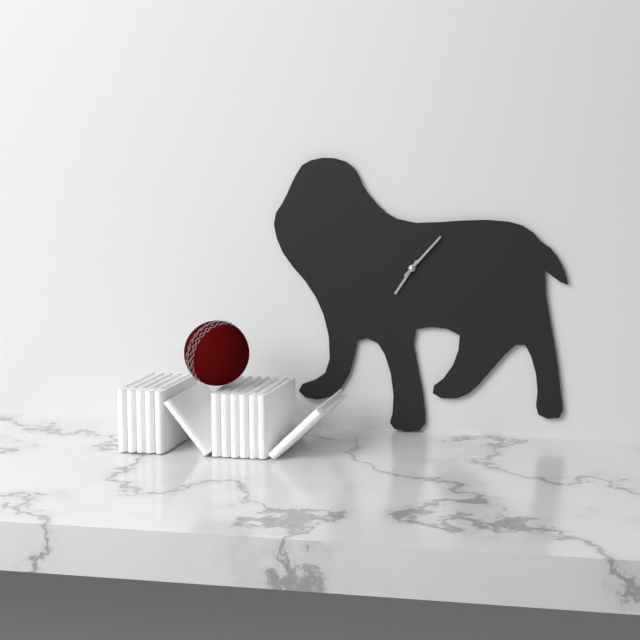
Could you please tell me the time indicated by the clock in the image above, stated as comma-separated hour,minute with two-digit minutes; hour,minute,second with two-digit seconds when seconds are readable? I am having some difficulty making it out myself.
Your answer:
7,07
